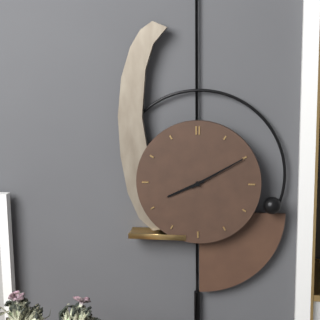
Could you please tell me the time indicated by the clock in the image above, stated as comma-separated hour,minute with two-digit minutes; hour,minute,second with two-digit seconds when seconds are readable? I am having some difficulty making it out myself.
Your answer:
8,10
